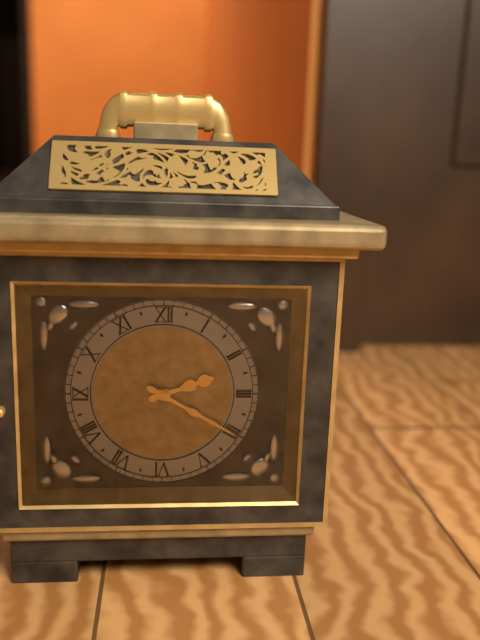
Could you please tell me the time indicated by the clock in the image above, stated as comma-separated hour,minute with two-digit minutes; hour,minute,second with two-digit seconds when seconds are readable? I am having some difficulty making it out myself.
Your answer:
2,20
